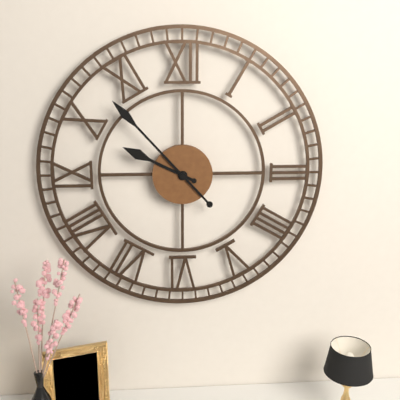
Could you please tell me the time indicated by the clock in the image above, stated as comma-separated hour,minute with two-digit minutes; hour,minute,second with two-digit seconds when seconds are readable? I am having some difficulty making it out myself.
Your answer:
9,53
